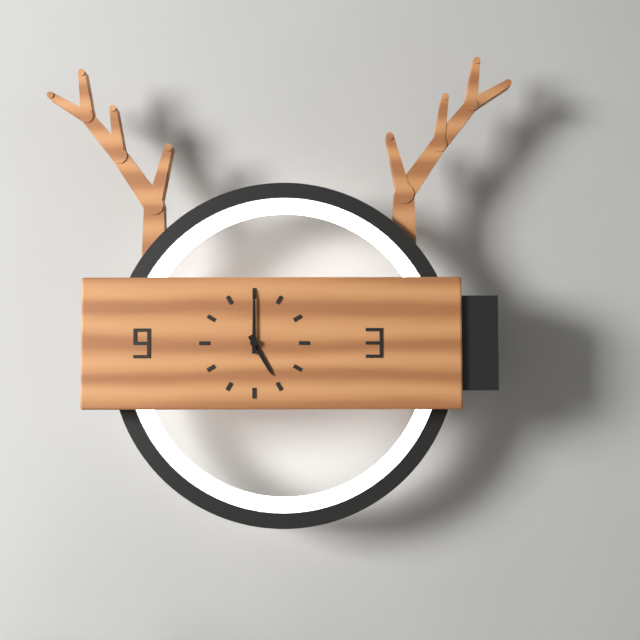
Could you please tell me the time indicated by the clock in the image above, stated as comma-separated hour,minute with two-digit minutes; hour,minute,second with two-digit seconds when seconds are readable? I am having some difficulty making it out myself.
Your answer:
5,00
